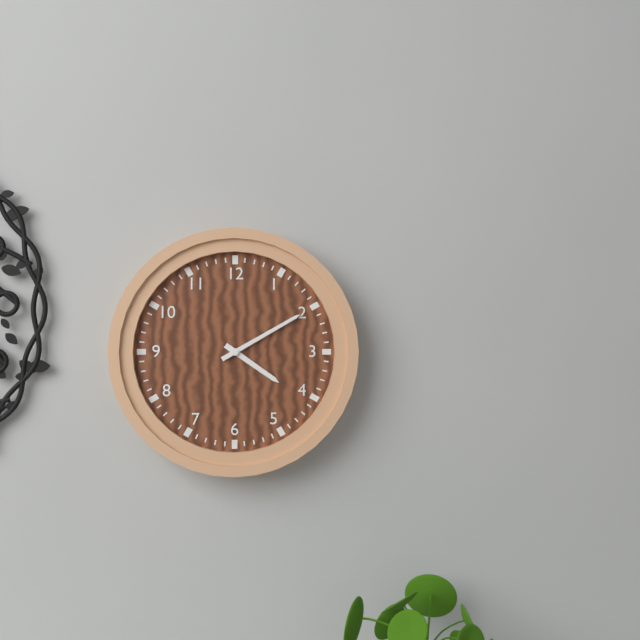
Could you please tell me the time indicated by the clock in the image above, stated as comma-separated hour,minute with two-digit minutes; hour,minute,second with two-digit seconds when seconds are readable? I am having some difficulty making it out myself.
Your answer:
4,10
